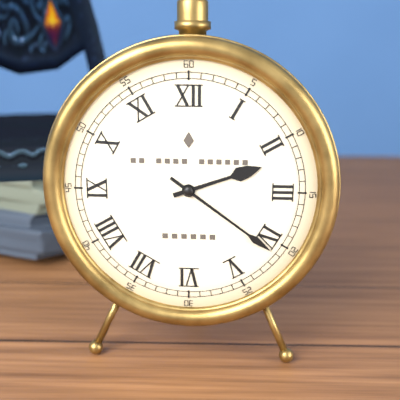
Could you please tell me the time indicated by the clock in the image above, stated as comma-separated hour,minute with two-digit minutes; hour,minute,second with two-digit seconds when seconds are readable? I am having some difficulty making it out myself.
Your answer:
2,21
